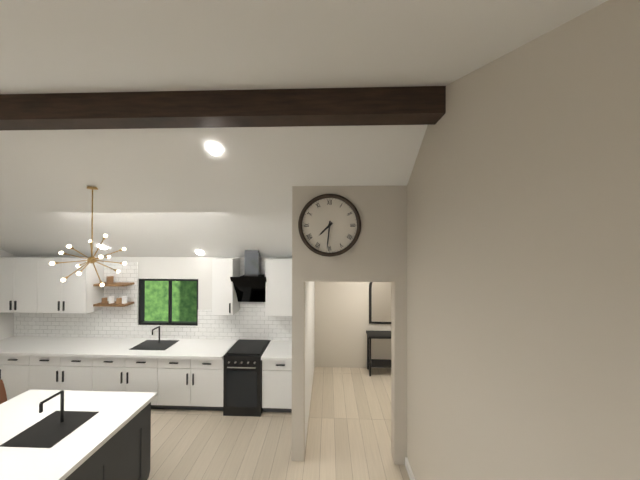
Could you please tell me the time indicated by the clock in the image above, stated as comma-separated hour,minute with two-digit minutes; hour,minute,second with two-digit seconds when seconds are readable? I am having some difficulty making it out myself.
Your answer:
7,31
